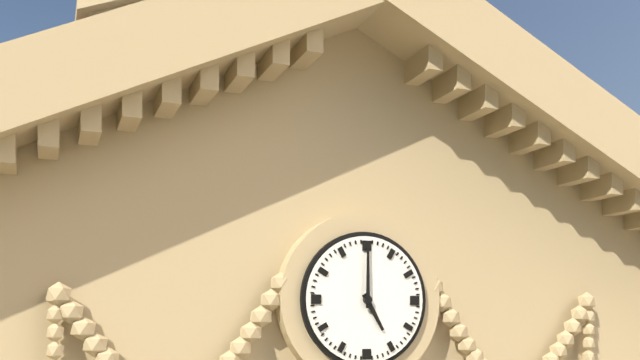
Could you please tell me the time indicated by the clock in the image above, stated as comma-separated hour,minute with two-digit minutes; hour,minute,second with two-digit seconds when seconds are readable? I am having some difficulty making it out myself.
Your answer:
5,00
